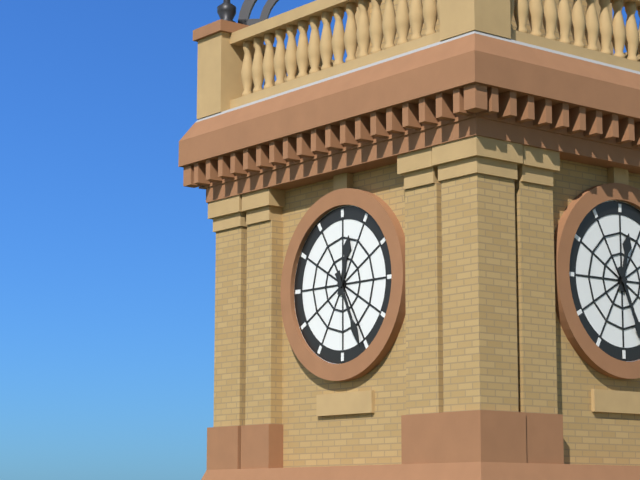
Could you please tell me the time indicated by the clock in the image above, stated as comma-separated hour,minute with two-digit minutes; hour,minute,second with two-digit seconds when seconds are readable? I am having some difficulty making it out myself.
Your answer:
12,26
